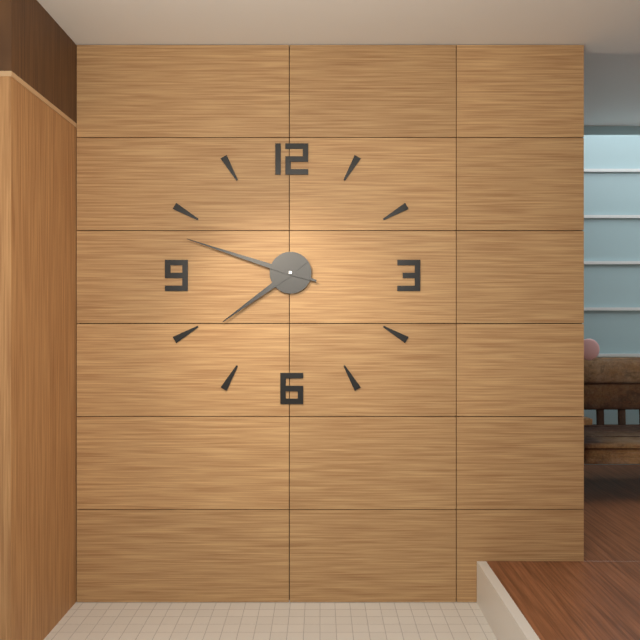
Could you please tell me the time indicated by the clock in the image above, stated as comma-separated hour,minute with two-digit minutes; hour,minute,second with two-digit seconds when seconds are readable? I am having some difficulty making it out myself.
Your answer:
7,48
